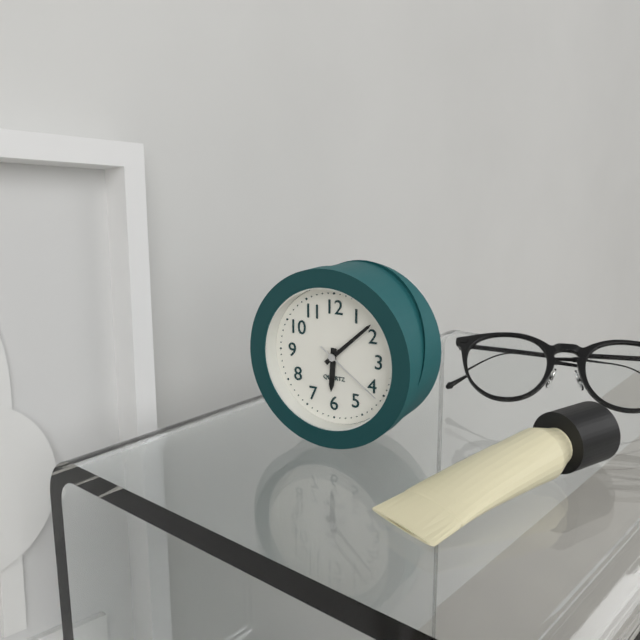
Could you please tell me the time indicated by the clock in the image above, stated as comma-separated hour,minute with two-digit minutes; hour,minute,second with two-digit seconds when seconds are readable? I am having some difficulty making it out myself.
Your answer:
6,08,21
